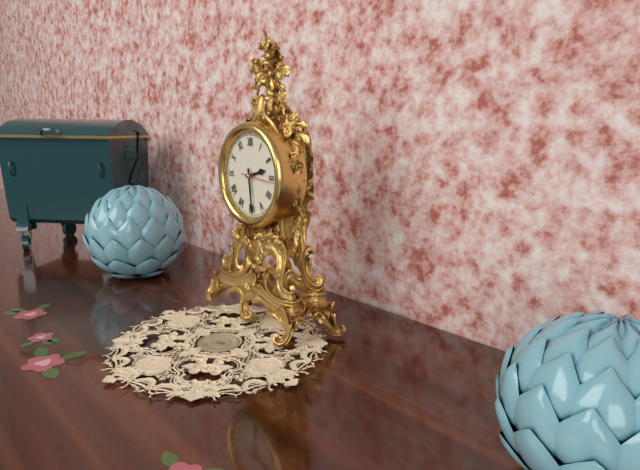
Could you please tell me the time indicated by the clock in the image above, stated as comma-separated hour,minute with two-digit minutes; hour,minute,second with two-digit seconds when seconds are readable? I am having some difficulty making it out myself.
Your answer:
2,29
